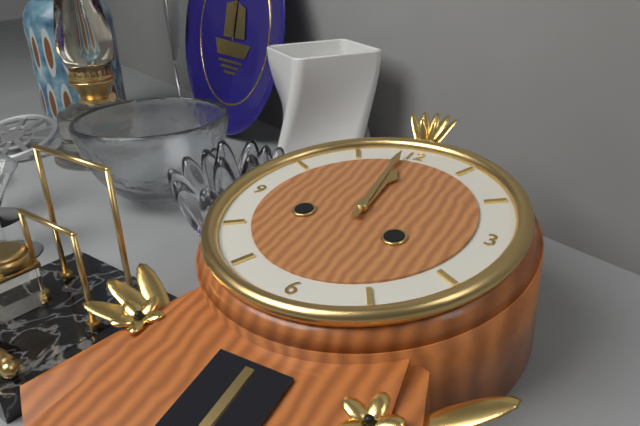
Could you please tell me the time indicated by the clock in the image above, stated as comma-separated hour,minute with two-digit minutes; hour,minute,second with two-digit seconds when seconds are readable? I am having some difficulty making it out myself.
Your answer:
11,59
